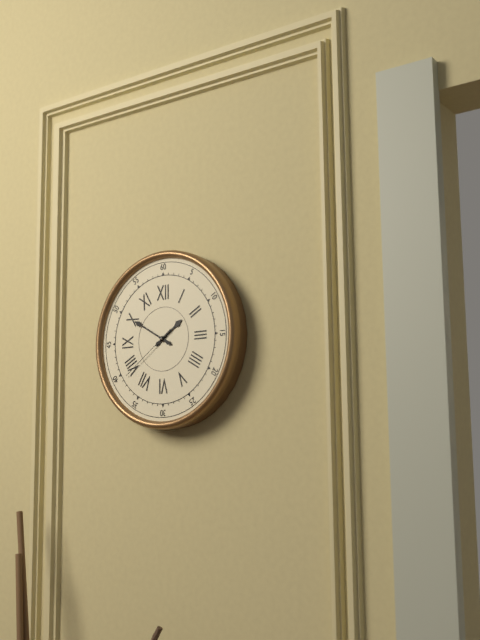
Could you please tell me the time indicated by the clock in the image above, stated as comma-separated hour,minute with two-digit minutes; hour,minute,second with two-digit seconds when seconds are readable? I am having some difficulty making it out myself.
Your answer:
1,50,39
